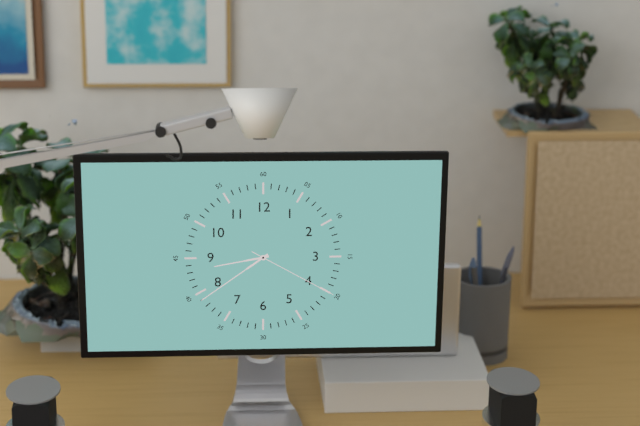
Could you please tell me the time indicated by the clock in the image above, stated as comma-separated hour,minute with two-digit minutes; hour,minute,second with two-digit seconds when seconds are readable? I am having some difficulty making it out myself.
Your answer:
8,39,20
